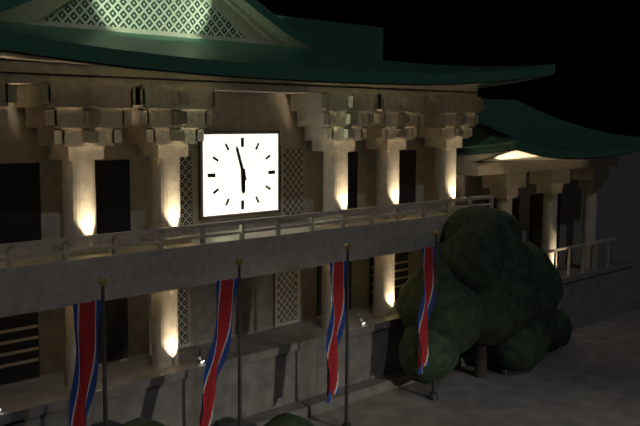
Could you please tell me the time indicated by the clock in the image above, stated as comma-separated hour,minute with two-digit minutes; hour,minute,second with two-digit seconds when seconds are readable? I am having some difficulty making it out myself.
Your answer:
5,57
